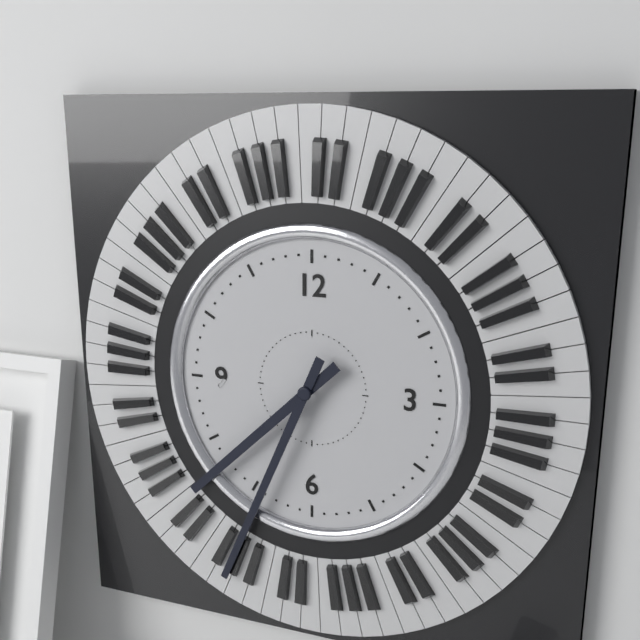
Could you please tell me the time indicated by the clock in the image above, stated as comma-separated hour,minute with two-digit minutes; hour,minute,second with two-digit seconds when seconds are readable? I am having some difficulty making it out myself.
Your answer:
7,34
